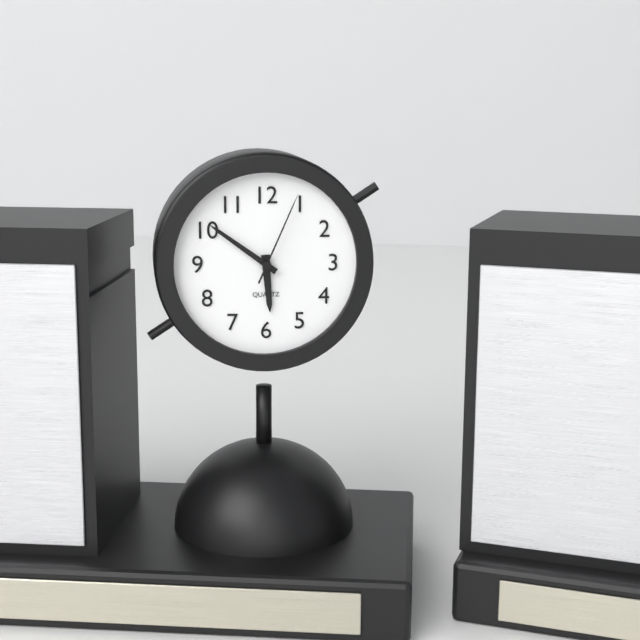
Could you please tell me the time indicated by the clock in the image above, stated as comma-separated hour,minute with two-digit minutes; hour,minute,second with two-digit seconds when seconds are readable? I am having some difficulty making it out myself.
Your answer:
5,51,04
